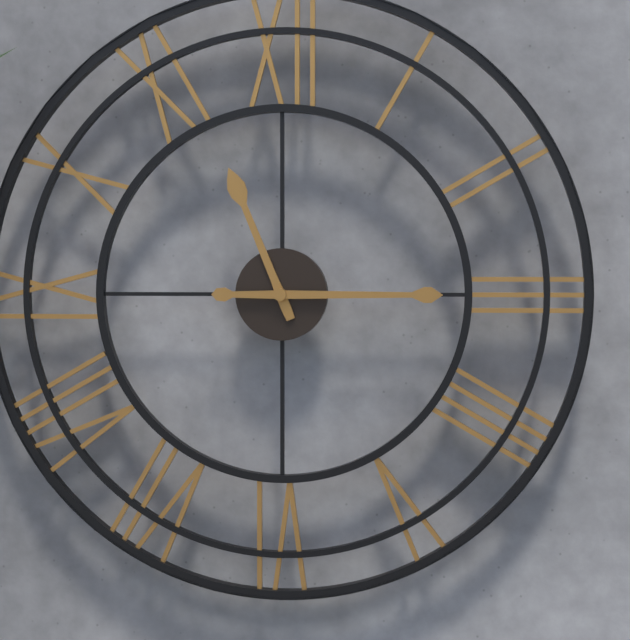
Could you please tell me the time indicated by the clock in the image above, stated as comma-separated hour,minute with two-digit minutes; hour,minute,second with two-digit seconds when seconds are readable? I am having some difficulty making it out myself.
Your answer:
11,15
